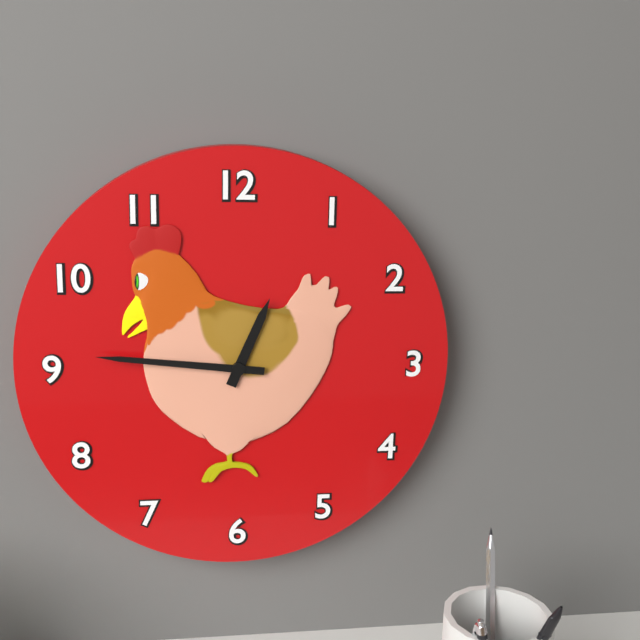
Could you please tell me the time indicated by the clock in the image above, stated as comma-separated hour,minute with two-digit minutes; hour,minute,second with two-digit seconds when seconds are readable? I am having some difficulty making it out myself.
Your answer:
12,46
